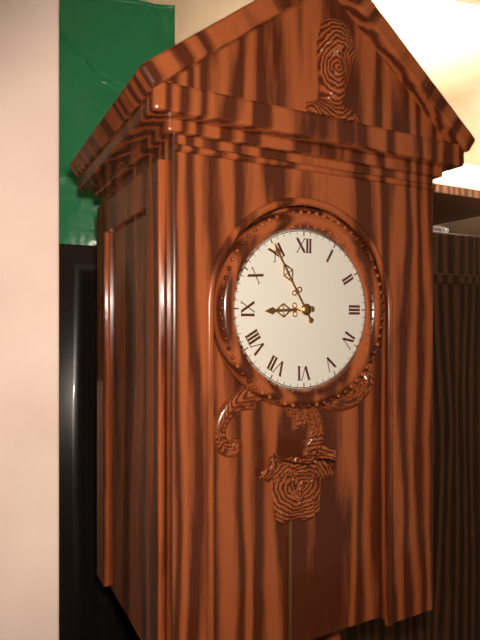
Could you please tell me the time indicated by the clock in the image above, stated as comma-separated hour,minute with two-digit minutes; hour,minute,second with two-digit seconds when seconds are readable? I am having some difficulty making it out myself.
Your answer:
8,55
